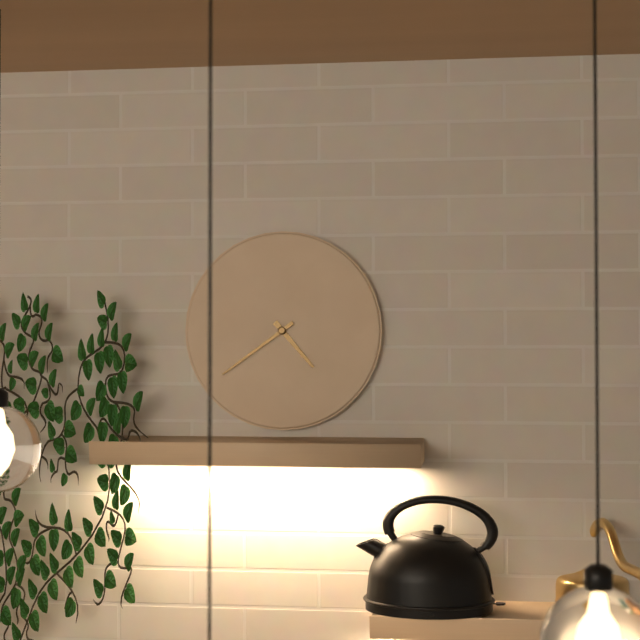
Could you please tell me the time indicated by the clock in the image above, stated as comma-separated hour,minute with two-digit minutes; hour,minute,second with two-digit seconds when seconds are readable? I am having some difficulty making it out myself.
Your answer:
4,39
